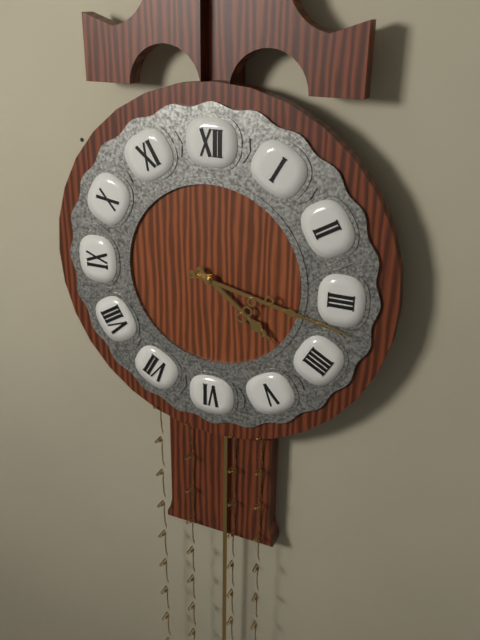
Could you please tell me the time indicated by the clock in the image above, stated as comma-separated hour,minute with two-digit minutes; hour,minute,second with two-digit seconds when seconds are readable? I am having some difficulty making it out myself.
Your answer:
4,17
